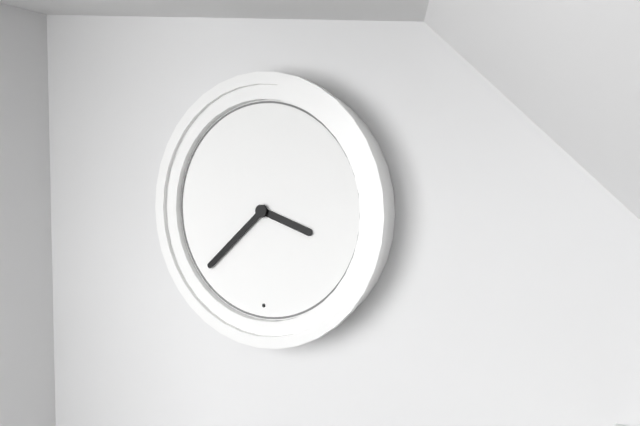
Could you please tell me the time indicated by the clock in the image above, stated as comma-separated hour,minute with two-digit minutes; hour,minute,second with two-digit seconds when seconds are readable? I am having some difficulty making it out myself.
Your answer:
3,38
